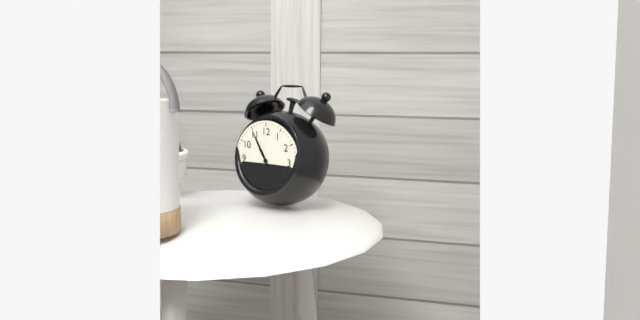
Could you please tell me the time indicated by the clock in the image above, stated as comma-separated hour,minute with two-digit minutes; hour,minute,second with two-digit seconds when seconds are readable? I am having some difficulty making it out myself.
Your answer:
10,55
